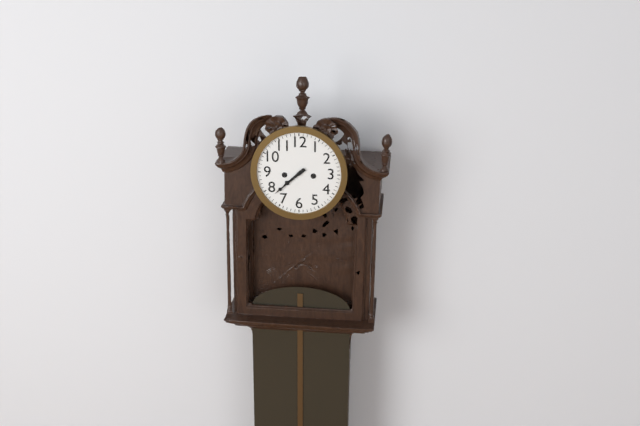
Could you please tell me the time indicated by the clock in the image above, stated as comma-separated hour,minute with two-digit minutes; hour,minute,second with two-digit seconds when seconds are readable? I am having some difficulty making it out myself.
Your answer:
7,38
